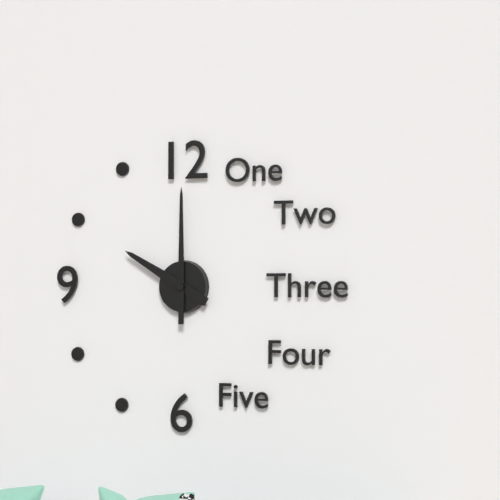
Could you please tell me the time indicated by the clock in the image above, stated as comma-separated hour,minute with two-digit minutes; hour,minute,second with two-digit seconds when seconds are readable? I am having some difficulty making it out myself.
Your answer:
10,00
